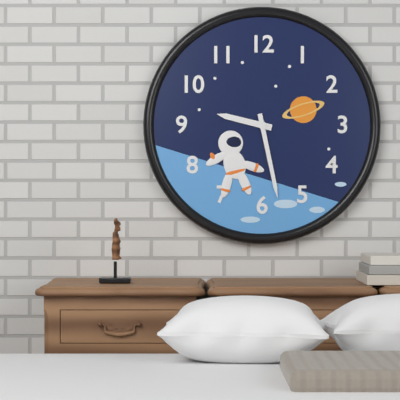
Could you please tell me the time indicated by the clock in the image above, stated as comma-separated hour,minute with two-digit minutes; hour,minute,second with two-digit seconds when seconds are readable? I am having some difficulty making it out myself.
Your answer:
9,28
